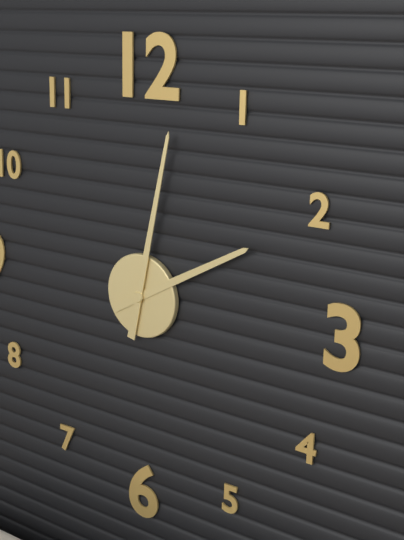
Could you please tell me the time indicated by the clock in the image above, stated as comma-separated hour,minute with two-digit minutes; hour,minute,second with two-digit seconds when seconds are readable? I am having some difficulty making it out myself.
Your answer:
2,02
